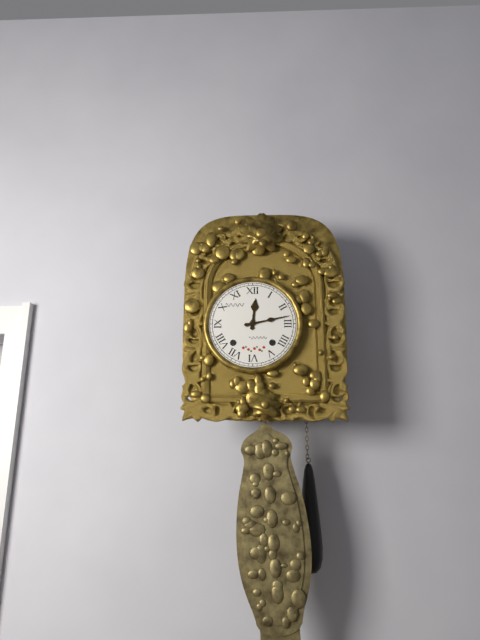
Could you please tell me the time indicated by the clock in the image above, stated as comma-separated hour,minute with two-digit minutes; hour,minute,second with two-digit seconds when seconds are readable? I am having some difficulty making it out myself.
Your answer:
12,13
